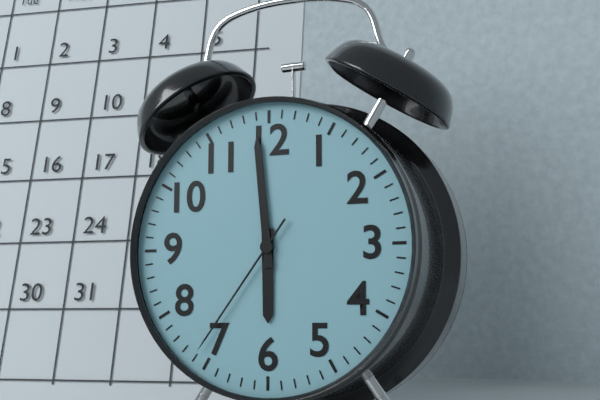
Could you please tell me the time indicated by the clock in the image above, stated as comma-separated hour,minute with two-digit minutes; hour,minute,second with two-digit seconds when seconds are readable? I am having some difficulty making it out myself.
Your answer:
5,59,36
